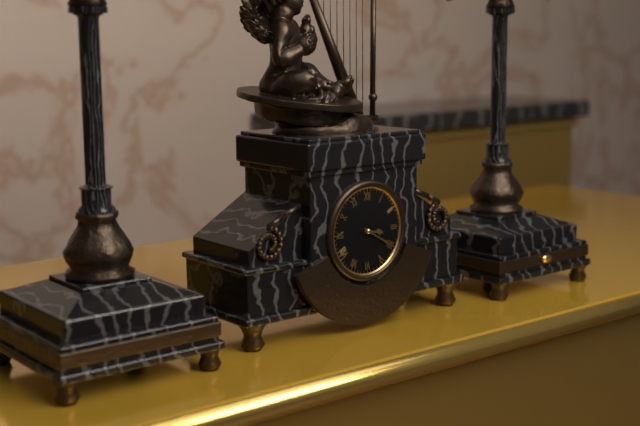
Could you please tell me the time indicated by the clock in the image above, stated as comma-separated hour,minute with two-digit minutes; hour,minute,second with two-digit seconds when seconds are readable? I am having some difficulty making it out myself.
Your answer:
3,20
